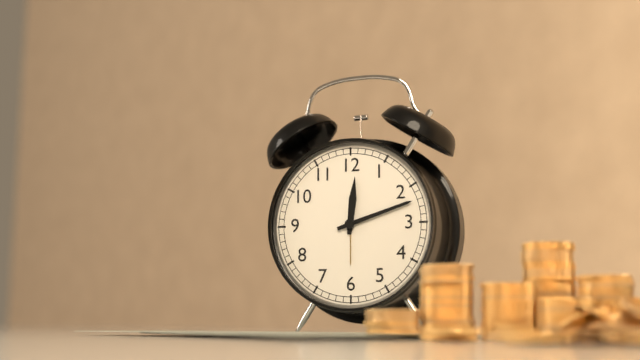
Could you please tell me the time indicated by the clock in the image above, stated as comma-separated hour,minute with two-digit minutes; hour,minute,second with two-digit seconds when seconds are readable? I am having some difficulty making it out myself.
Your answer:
12,12
